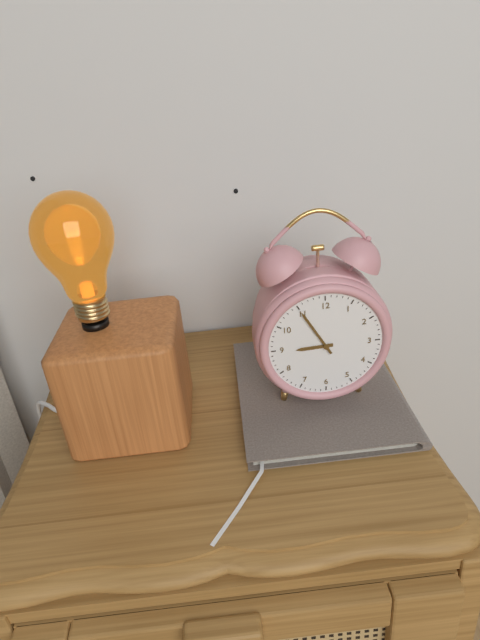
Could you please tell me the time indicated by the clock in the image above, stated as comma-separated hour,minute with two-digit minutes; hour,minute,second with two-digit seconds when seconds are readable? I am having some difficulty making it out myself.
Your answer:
8,55
